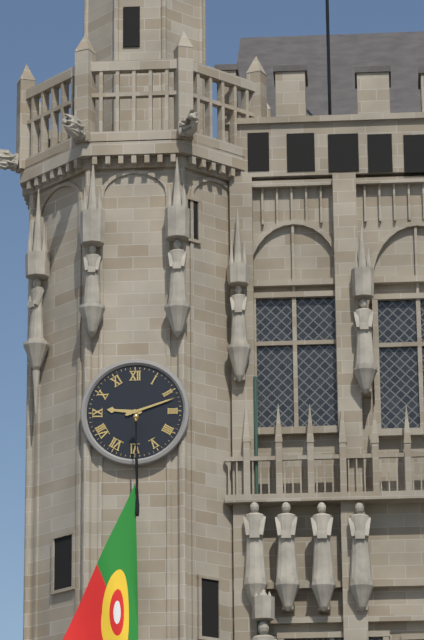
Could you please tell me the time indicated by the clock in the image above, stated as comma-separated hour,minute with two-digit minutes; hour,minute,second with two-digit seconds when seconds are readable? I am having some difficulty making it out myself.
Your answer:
9,12
